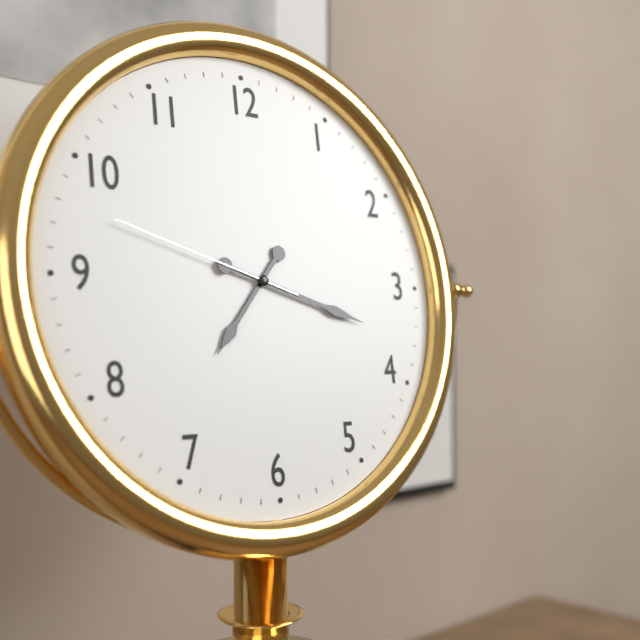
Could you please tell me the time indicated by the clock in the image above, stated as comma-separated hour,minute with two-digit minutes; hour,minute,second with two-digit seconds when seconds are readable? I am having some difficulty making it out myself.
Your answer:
7,18,48
